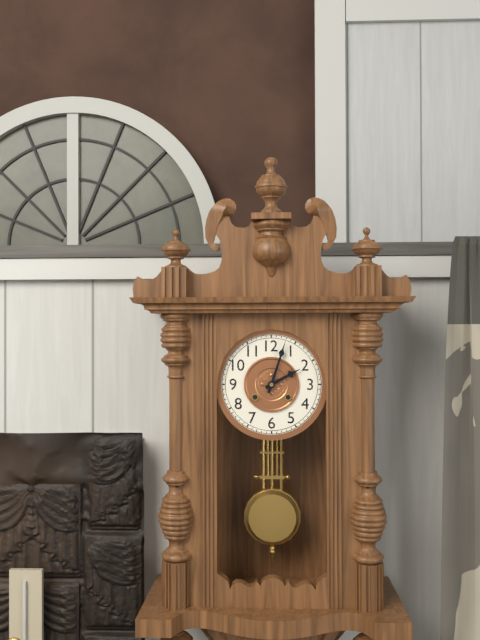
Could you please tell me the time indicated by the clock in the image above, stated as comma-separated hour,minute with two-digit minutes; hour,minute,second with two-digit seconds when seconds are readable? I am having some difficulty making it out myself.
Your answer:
2,03
